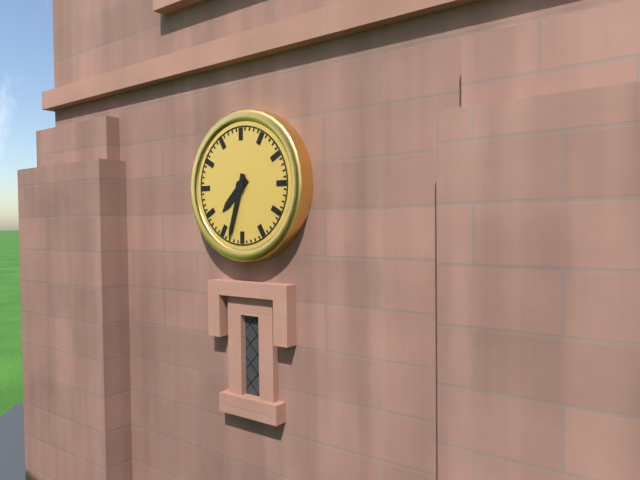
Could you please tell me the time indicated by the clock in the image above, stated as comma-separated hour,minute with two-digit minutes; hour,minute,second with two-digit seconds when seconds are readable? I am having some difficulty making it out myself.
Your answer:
7,33
